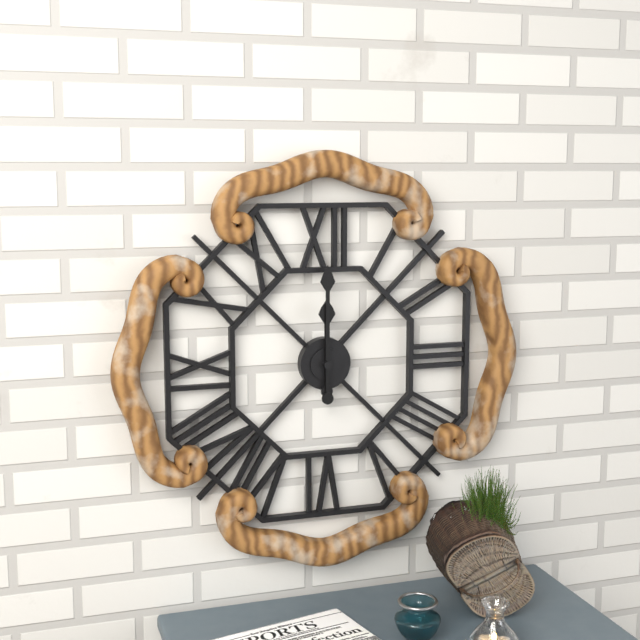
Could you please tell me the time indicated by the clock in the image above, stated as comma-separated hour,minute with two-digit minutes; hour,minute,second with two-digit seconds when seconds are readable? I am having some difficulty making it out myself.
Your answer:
12,00
